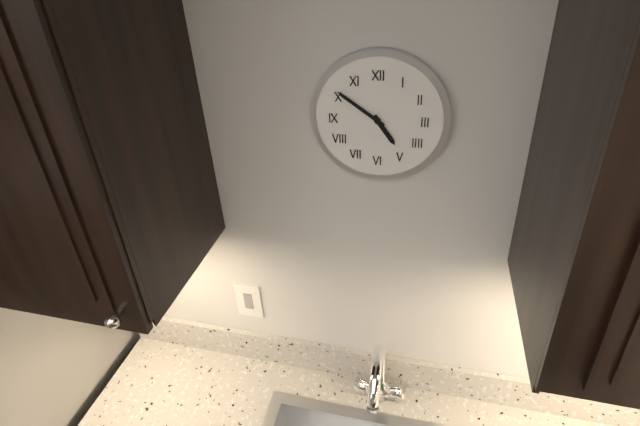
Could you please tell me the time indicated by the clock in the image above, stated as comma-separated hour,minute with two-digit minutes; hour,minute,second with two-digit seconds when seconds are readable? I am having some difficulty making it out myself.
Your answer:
4,51
